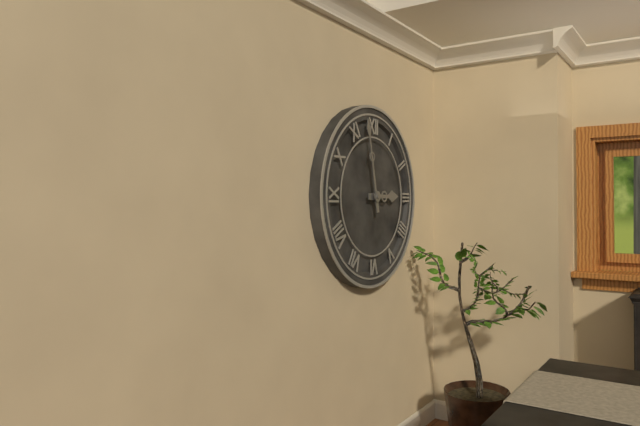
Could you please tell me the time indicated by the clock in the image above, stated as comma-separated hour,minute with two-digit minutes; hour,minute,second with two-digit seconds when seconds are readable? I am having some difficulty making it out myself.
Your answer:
2,58
